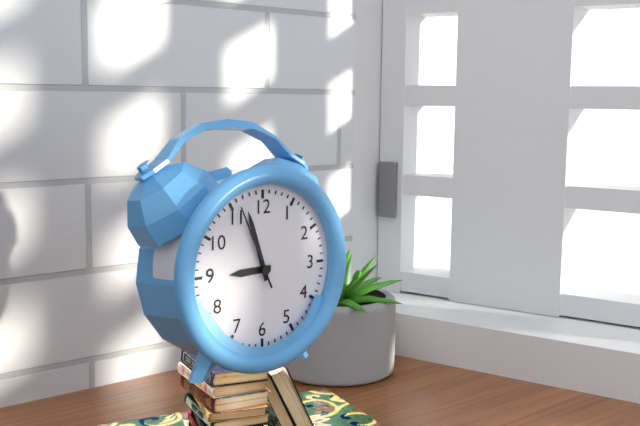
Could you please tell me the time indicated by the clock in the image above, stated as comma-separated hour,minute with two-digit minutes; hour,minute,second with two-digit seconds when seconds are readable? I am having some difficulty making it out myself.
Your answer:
8,57,56
